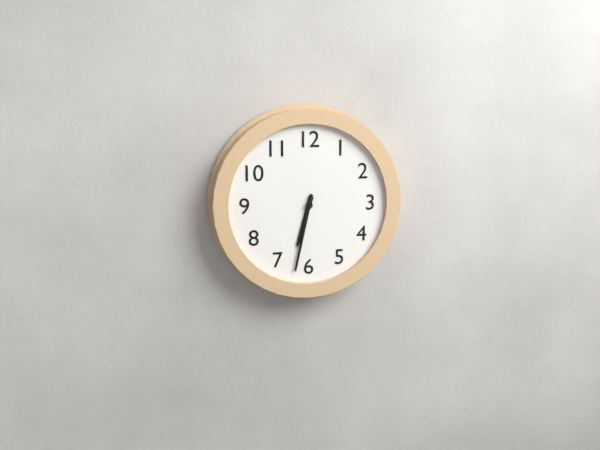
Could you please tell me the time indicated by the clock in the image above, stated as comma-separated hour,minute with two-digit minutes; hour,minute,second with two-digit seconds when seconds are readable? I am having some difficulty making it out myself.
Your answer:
6,32
